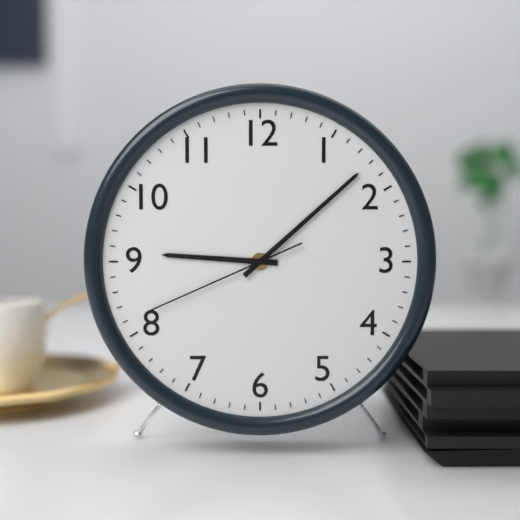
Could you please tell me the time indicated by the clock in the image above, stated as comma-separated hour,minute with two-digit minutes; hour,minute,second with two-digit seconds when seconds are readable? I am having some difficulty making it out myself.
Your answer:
9,08,41
